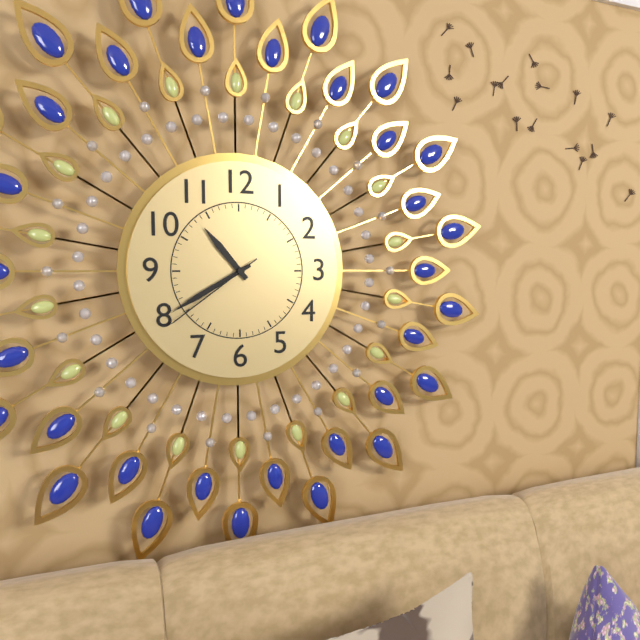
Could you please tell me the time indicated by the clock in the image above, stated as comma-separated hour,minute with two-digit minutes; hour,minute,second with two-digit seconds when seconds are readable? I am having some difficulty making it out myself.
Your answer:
10,40,39
